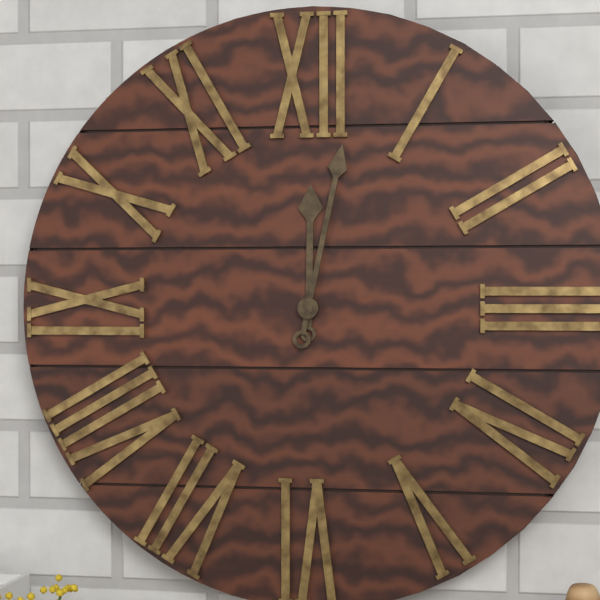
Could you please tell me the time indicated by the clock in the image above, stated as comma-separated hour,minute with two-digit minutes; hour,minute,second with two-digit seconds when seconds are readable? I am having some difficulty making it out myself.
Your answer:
12,02
